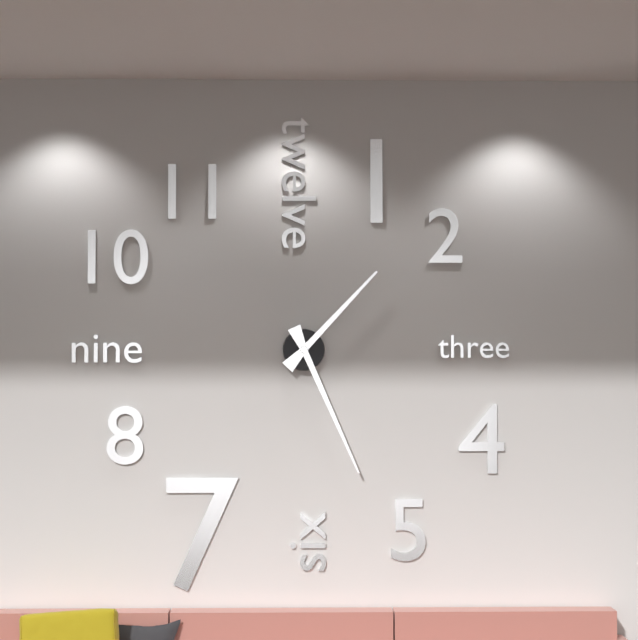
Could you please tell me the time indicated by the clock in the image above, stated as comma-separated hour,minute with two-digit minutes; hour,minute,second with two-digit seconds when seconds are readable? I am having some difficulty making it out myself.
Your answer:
1,26
